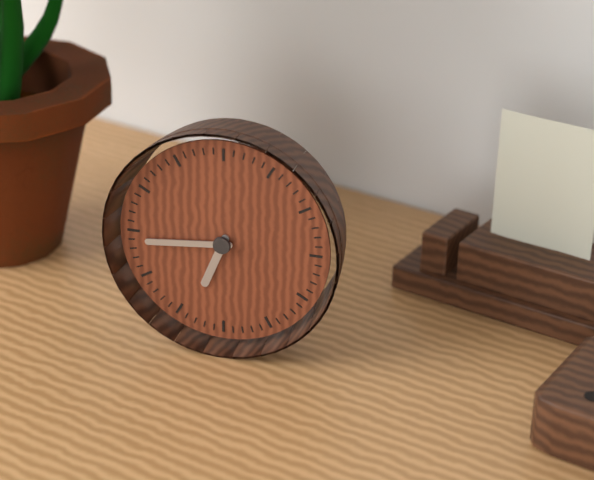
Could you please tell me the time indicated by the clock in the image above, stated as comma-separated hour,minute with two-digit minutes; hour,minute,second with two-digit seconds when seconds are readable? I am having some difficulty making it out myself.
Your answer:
6,44
